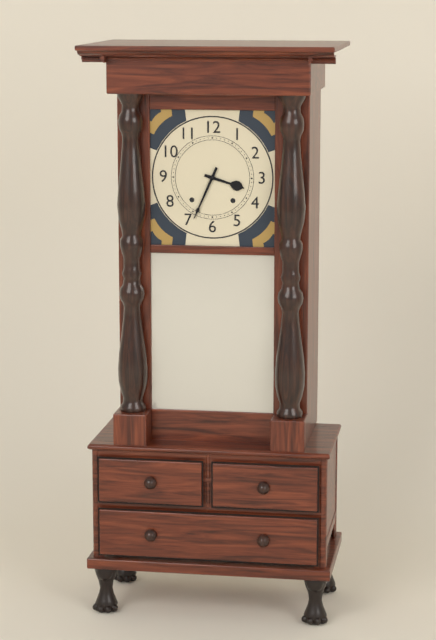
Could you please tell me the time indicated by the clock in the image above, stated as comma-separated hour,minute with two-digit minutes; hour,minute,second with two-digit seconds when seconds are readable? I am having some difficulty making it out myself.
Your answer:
3,34
